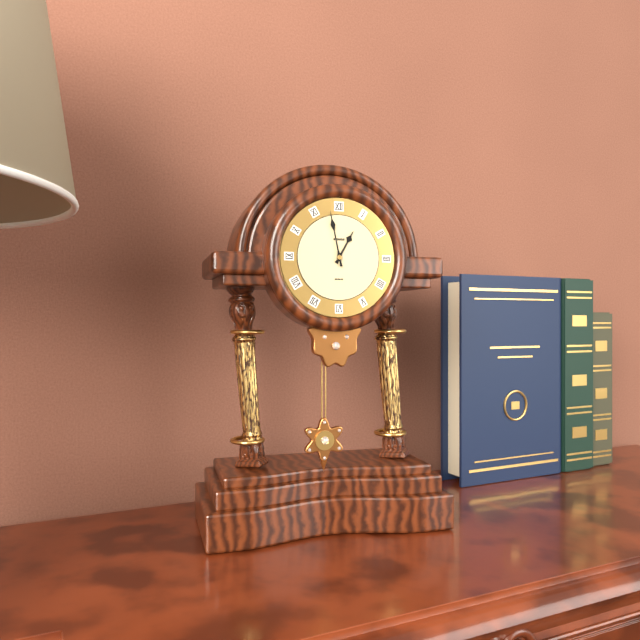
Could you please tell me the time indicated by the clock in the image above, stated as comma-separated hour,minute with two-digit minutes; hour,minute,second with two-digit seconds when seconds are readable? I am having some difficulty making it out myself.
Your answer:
12,58
